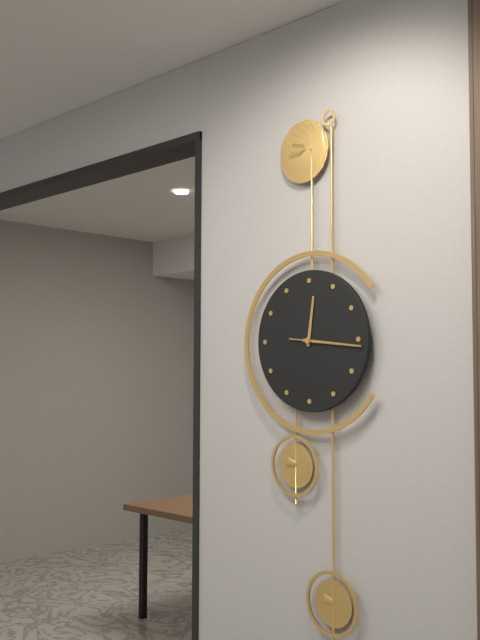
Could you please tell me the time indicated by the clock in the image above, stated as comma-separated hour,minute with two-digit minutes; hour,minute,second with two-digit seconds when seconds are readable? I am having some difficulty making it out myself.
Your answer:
12,16,16
